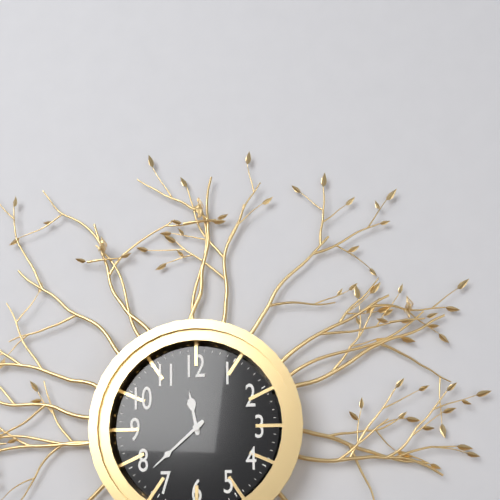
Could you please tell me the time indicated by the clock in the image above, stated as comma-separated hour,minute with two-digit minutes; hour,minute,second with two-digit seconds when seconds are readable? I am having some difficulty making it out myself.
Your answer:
11,38
